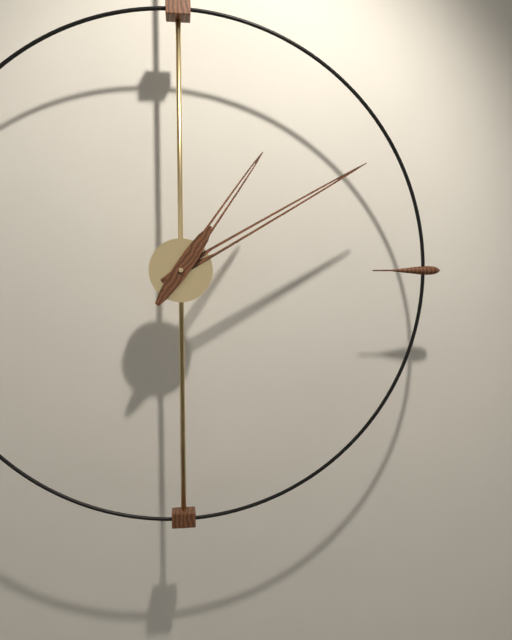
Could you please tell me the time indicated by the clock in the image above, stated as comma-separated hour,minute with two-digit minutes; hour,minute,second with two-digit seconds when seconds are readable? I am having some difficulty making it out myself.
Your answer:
1,10
